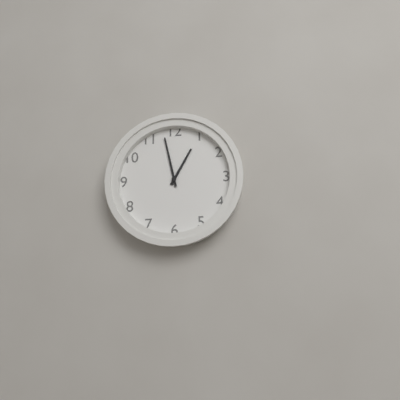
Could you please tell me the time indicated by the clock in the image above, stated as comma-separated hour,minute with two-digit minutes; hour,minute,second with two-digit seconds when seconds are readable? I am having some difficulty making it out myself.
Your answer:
12,58
